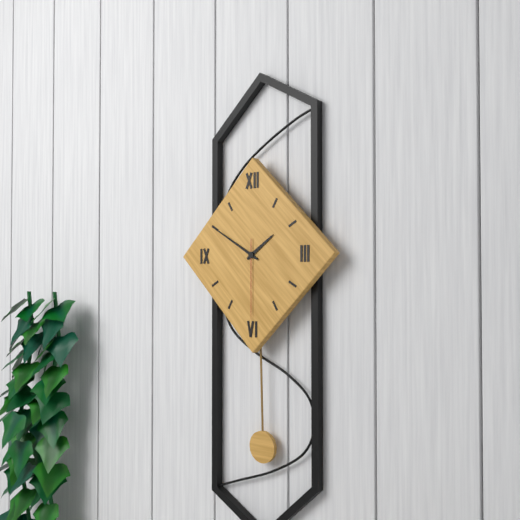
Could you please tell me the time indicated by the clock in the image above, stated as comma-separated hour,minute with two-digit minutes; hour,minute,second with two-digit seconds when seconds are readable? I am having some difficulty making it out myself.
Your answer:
1,50,30
